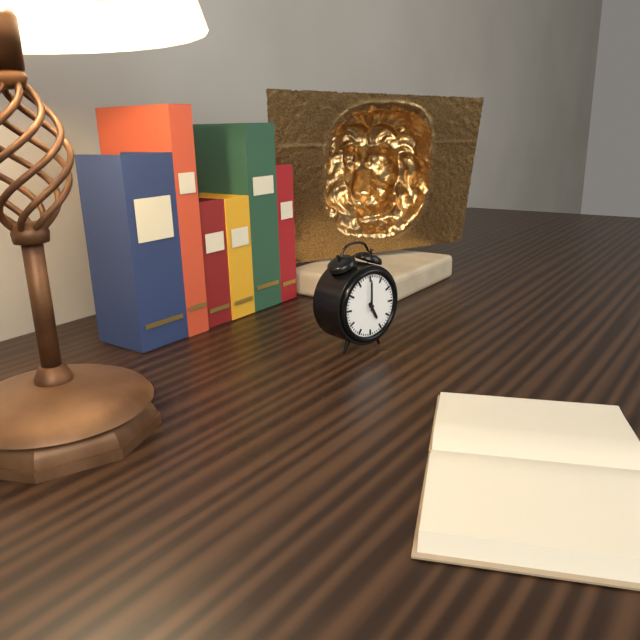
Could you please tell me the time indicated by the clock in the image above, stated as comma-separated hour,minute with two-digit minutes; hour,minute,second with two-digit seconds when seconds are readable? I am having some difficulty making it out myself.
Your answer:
5,00
